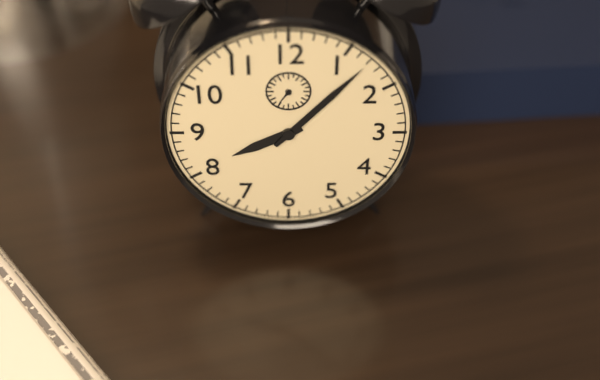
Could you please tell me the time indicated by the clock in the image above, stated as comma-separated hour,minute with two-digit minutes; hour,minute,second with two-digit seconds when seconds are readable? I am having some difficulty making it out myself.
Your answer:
8,07
